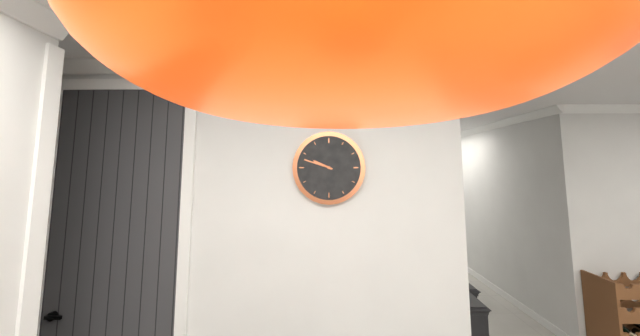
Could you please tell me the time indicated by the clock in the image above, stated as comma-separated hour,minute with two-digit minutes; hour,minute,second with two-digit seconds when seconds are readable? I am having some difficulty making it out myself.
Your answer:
9,48
